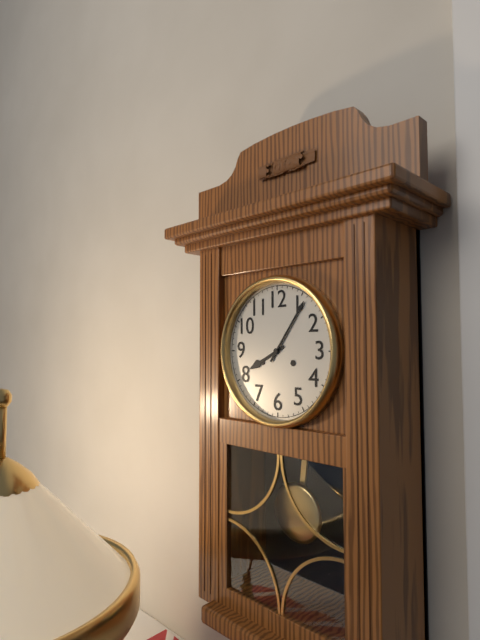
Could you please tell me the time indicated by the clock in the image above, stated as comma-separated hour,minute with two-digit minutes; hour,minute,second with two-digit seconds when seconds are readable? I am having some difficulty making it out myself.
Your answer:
8,06
